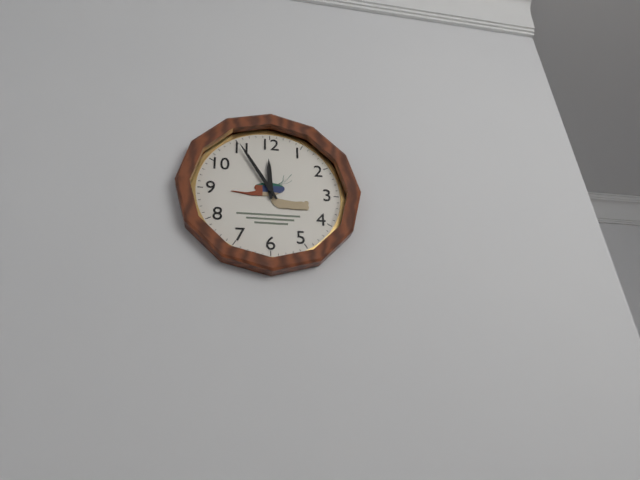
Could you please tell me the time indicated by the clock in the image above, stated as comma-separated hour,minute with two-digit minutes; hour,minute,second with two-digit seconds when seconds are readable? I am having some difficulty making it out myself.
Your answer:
11,55
